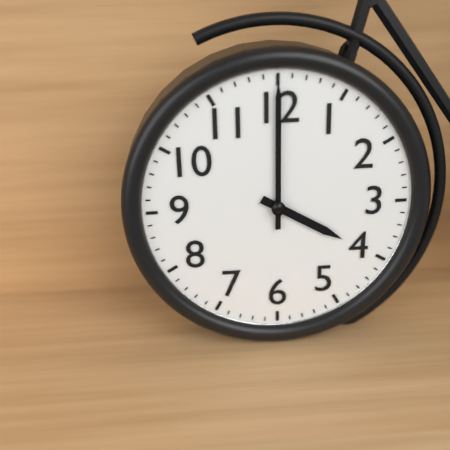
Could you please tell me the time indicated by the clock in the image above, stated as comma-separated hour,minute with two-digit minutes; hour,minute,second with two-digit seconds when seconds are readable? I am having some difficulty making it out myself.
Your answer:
4,00
